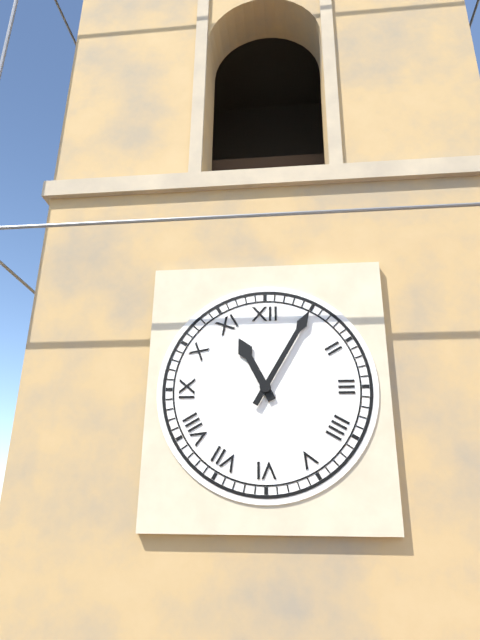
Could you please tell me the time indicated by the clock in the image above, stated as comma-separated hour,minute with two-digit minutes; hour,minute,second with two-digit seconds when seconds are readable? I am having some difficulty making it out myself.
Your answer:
11,05
